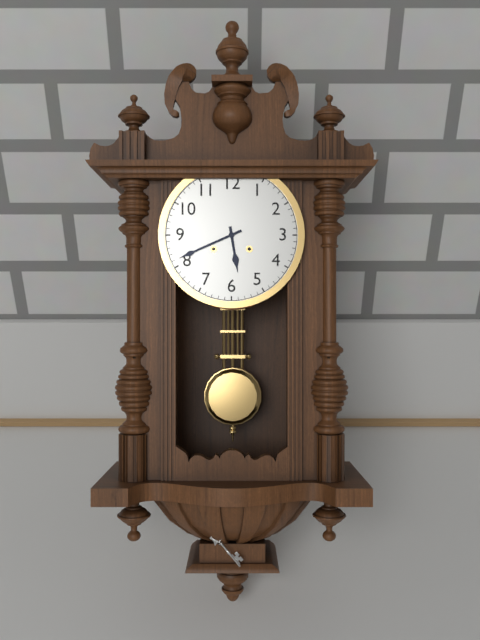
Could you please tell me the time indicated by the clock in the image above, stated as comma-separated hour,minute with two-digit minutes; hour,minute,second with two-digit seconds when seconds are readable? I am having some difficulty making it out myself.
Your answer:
5,41
